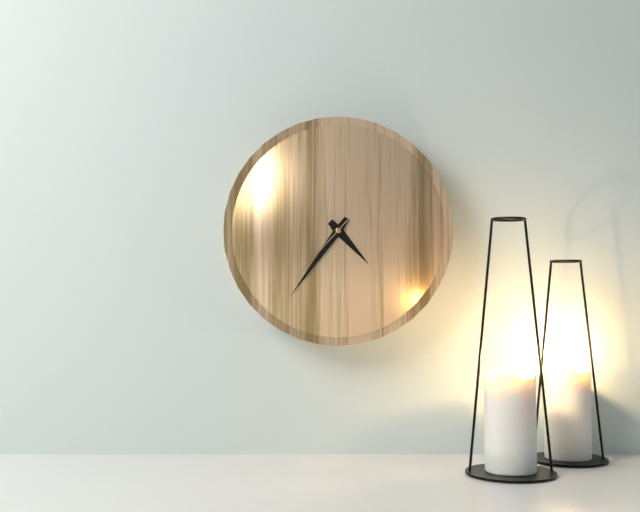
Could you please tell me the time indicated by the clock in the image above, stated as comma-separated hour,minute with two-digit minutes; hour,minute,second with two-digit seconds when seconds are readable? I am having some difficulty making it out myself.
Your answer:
4,36,37
